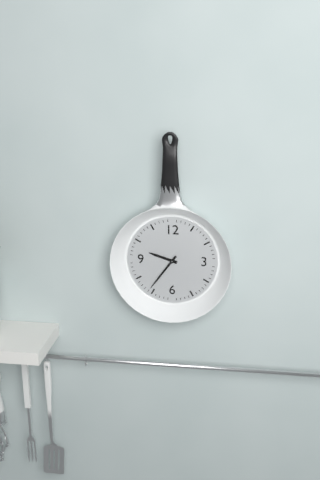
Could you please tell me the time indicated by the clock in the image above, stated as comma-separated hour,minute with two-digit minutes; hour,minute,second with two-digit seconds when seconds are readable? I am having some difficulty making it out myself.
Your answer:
9,36
